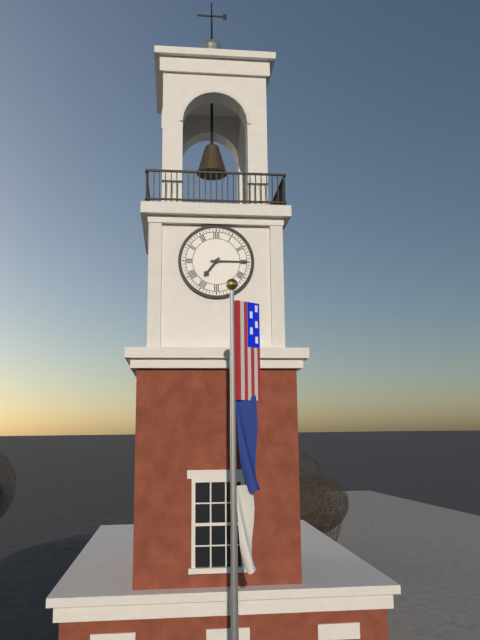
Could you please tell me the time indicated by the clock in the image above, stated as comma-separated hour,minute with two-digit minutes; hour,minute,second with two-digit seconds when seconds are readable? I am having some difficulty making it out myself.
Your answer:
7,15
